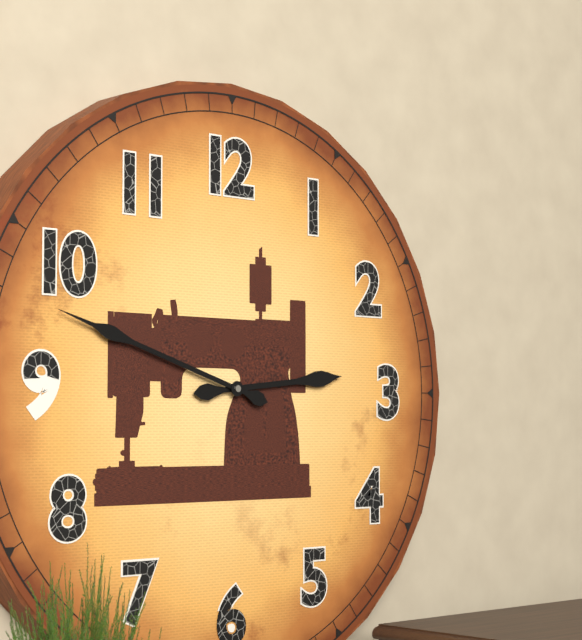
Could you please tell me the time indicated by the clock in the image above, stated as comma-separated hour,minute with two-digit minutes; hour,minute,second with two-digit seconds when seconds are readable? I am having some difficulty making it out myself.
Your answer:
2,48
